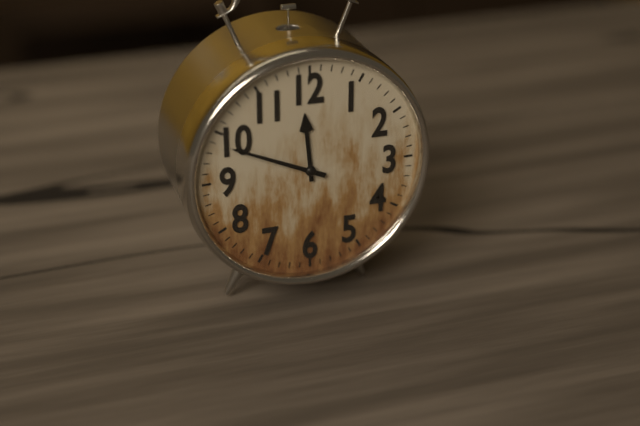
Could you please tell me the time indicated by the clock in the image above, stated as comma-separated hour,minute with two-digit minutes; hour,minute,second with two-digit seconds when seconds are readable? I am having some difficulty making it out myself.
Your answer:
11,49
